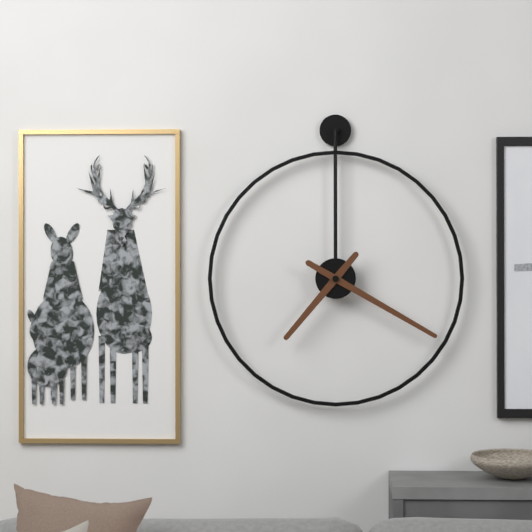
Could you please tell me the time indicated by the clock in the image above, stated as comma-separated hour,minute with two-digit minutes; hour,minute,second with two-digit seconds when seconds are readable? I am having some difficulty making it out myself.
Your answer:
7,20
